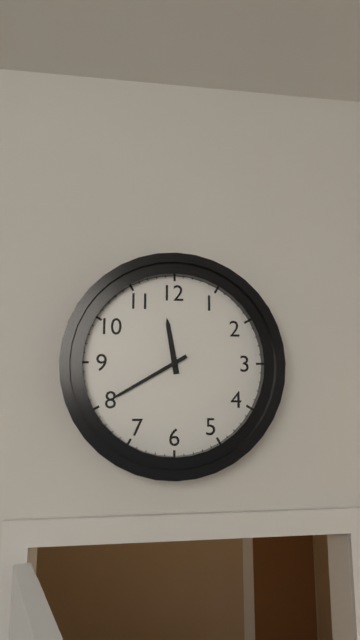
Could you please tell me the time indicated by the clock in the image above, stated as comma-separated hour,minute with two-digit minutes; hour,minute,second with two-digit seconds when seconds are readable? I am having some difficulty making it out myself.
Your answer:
11,40
